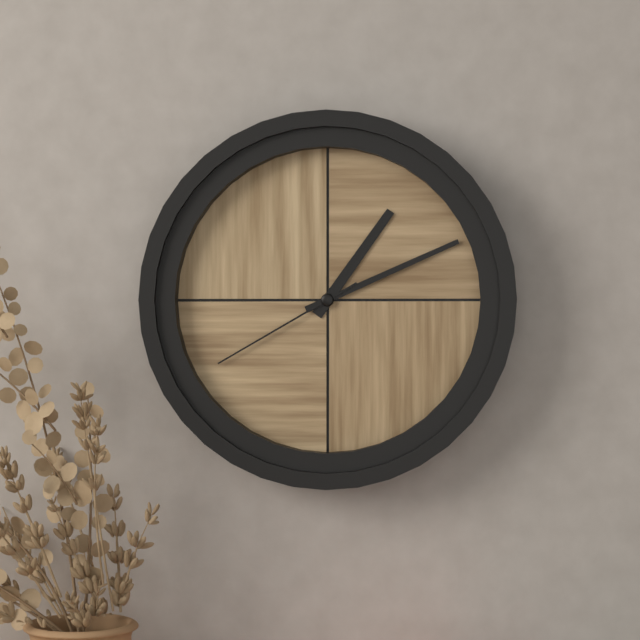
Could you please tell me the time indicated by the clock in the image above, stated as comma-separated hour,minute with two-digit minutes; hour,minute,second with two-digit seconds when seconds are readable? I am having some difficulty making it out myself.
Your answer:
1,11,40
